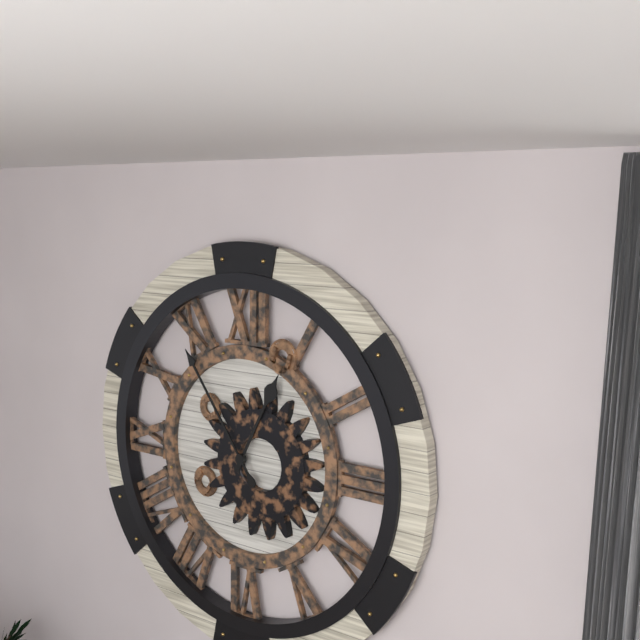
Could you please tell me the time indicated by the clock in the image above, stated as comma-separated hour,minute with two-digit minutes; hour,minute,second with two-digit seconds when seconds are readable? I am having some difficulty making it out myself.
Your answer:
12,54
